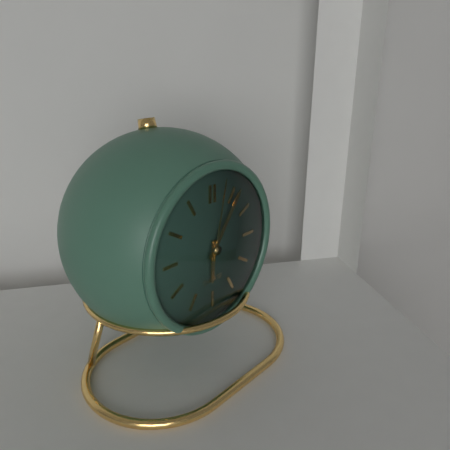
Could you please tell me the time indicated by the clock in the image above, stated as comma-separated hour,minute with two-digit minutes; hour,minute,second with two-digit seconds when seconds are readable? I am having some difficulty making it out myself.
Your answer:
6,06,02
